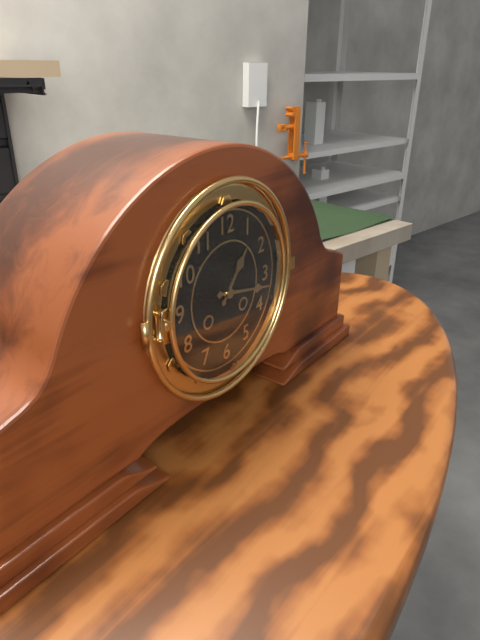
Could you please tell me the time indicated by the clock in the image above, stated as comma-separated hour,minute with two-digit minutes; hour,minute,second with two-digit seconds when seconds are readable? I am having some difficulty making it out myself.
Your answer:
1,17
